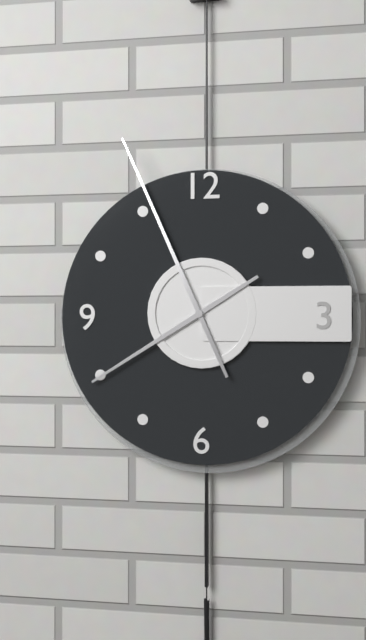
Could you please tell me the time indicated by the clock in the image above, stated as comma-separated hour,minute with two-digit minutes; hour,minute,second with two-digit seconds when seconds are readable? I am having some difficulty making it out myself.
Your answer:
7,56
